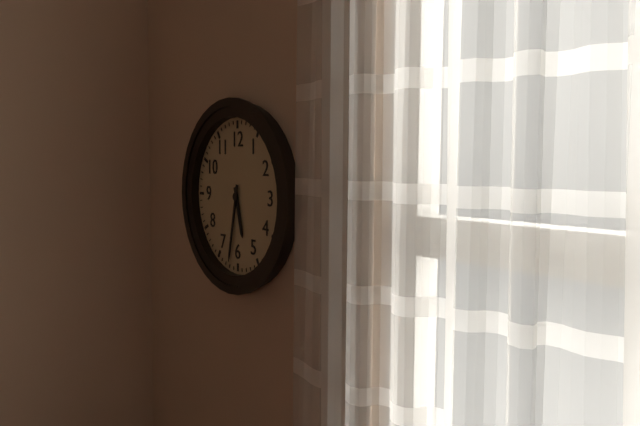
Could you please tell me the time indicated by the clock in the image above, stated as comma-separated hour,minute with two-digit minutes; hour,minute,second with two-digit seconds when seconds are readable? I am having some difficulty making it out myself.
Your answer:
5,32
